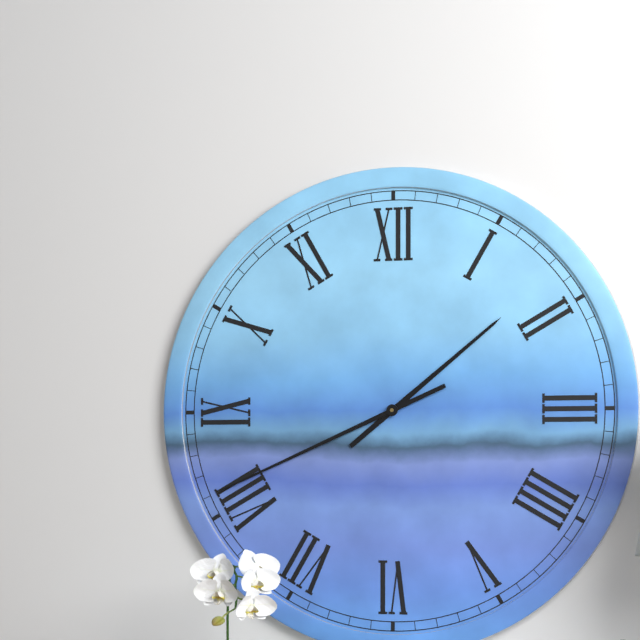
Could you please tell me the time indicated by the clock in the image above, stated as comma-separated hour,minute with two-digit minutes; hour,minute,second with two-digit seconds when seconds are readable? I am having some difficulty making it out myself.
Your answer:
1,41
